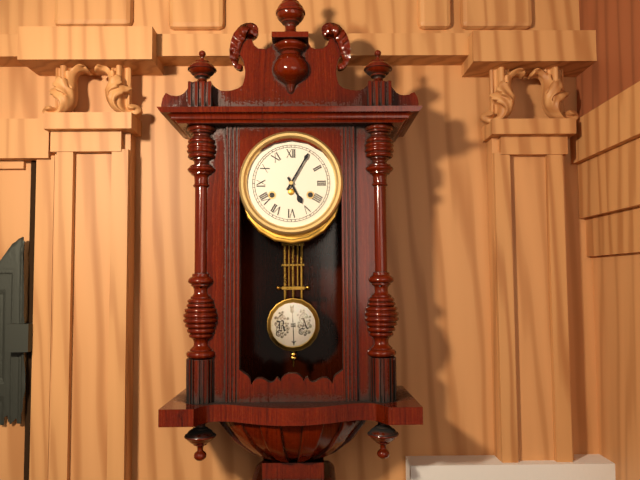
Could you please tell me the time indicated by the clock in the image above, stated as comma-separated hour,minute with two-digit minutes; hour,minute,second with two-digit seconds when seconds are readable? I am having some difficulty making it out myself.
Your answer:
5,05
